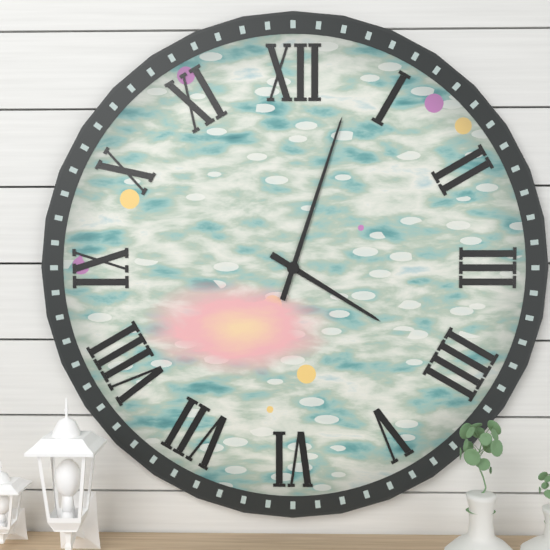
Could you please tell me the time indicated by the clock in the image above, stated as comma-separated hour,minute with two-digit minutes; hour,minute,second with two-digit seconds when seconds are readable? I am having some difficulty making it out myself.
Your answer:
4,03
